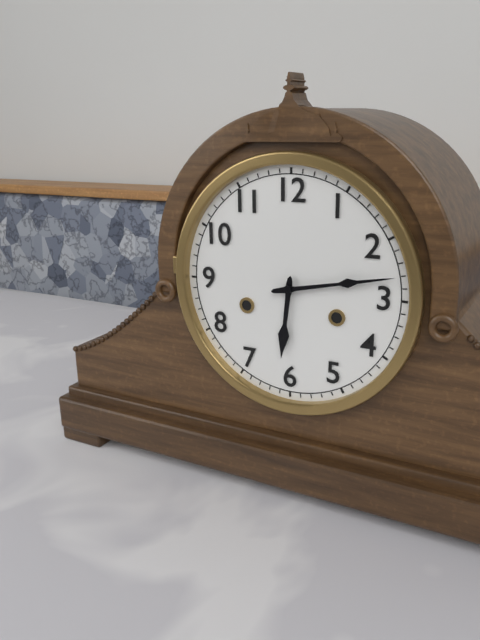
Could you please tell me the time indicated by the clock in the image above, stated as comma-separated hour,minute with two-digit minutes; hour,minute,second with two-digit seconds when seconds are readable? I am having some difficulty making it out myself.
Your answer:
6,13
